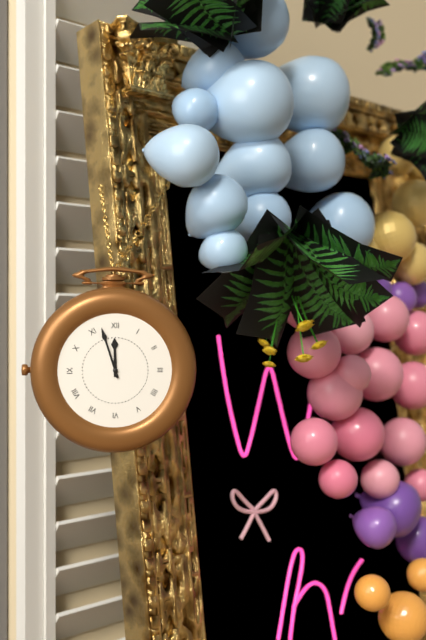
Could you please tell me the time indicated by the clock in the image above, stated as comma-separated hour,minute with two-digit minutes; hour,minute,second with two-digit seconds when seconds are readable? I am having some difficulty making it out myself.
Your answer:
11,57
